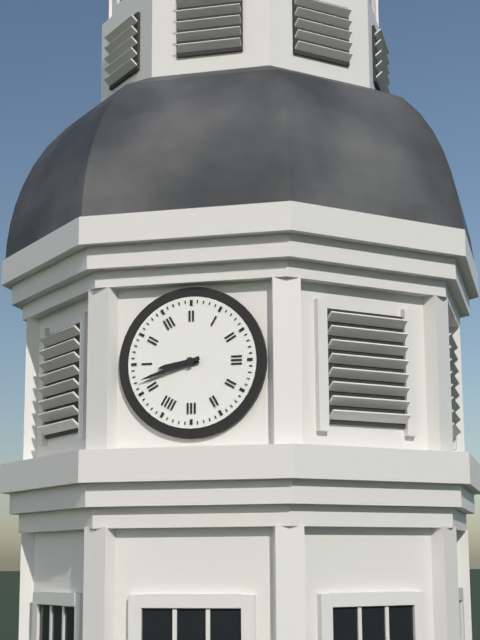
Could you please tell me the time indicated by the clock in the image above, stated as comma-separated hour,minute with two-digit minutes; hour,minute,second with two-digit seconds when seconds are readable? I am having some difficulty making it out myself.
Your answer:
8,42
